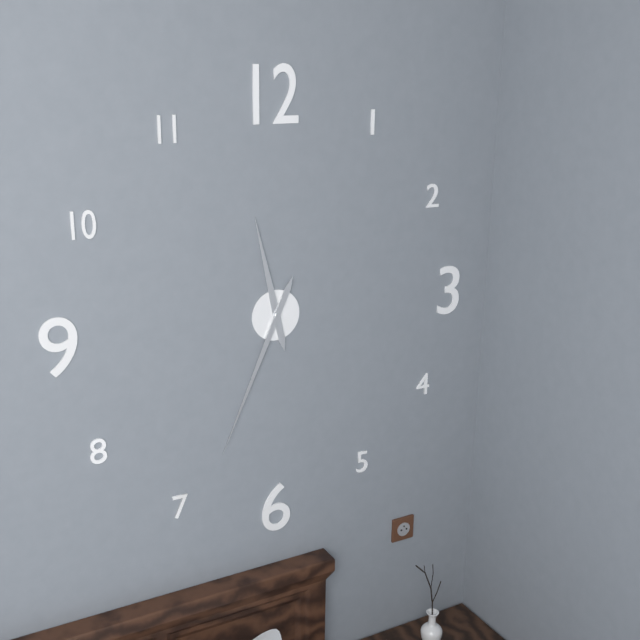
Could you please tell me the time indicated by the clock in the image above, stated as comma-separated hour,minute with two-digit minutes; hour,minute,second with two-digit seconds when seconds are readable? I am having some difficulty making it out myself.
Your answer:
11,34
